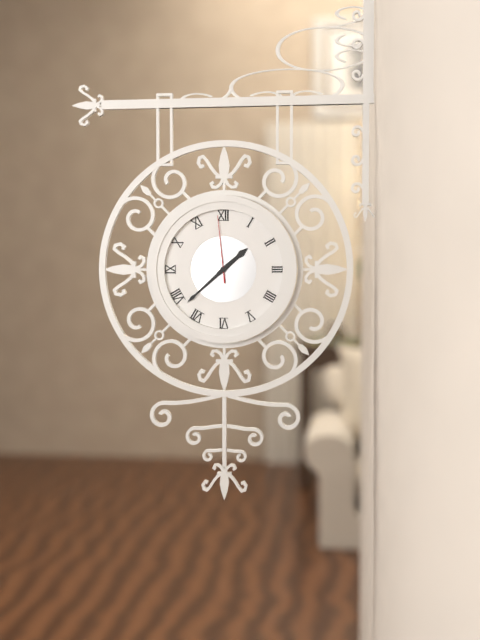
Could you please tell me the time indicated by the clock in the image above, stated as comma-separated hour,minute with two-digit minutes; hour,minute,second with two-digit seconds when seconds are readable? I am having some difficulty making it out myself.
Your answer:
1,38,59
